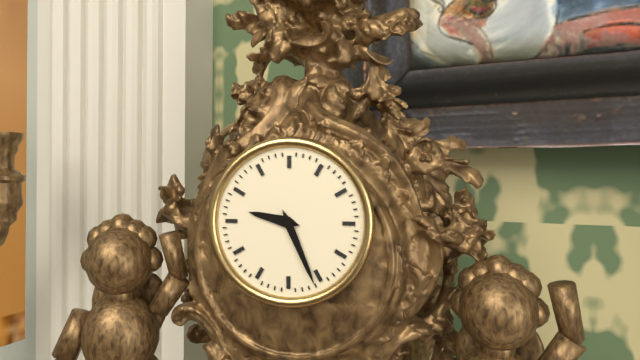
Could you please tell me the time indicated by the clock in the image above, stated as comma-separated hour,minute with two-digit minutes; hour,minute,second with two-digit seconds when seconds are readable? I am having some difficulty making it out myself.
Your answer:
9,26
